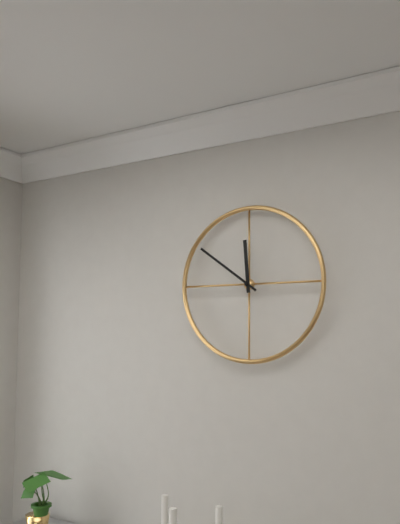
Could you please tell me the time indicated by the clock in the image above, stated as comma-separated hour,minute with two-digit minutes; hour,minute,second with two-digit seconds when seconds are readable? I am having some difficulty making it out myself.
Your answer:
11,51
